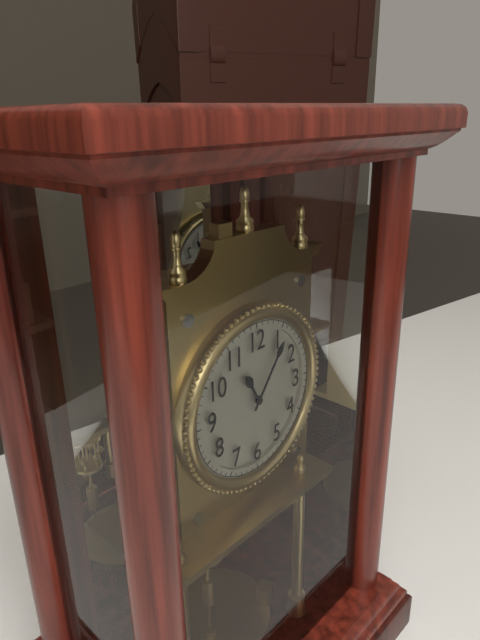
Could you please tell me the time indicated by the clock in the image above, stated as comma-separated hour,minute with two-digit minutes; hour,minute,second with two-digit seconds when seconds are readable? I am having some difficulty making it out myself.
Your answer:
11,06
